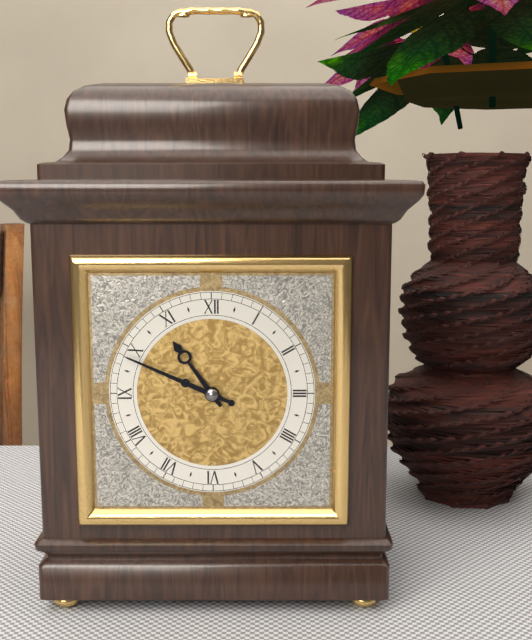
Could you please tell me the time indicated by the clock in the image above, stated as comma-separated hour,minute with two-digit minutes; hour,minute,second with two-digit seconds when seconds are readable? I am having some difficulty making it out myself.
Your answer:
10,49
